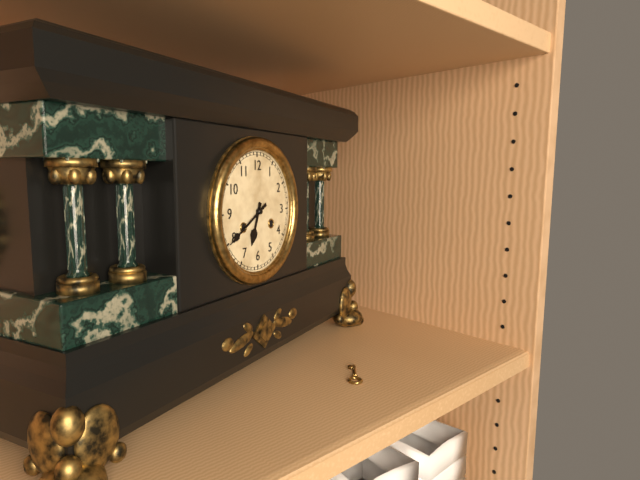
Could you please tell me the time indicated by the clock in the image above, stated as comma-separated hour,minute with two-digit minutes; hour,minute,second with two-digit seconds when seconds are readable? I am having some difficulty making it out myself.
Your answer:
6,40
